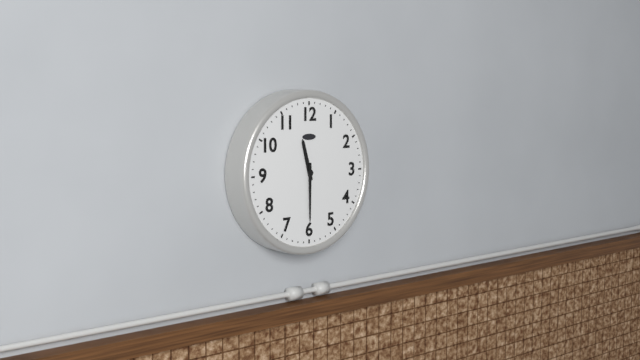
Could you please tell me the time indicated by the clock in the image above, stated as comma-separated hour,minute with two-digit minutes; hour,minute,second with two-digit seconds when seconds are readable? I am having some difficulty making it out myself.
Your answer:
11,30
